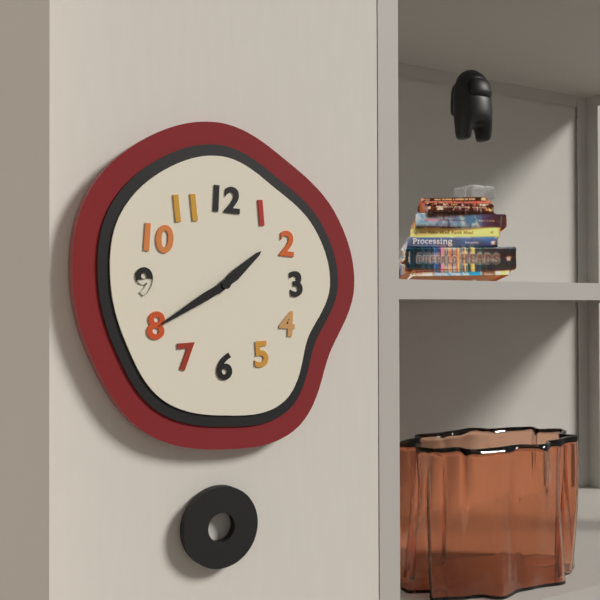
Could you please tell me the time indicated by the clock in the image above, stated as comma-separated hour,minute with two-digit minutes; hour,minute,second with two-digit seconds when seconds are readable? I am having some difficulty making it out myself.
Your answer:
1,40
